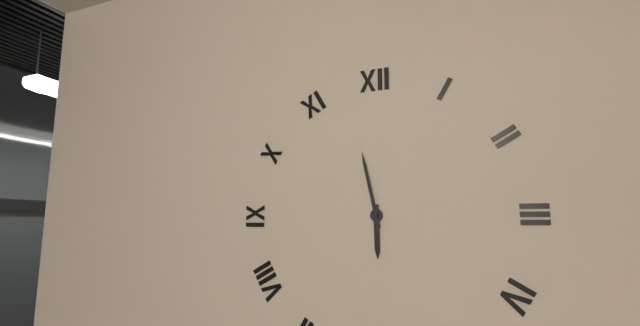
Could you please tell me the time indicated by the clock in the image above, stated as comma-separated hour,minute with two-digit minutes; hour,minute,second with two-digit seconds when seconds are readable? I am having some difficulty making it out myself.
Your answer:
5,58
